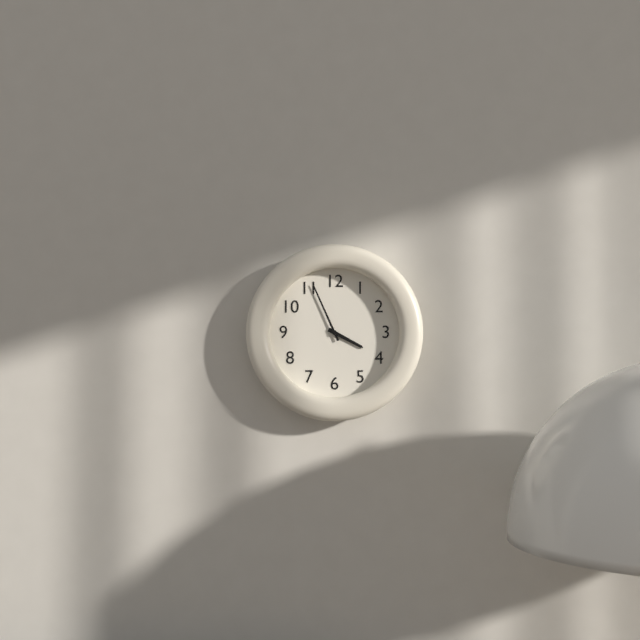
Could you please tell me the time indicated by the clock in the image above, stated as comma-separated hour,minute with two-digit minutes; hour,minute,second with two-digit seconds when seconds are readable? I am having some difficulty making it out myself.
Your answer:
3,56
